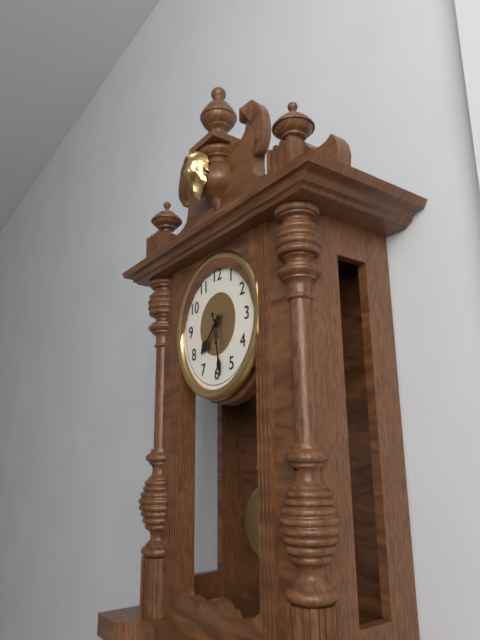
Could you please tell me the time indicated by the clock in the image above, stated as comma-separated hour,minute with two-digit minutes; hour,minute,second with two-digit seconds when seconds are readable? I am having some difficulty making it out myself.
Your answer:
7,28
